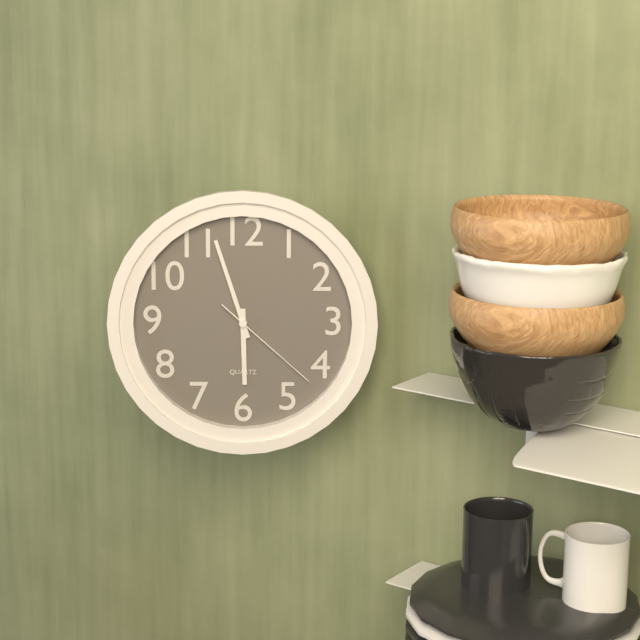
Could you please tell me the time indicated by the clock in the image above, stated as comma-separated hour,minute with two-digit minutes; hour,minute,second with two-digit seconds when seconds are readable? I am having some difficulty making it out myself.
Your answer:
5,57,22
